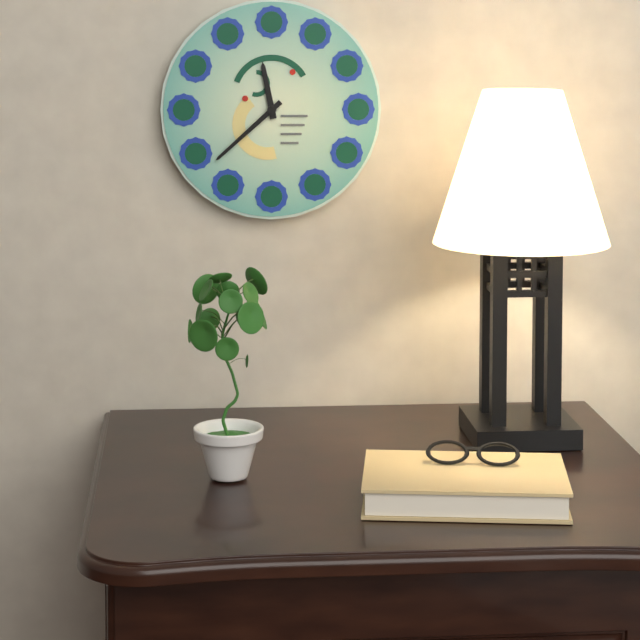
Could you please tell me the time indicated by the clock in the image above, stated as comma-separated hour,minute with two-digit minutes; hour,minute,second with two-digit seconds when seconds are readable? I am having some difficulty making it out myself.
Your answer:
11,38
